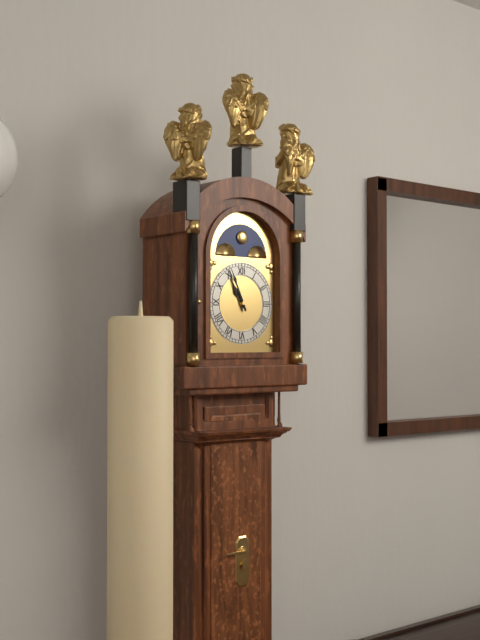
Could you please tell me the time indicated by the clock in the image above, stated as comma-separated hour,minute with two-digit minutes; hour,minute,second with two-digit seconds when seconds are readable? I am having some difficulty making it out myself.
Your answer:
10,56
